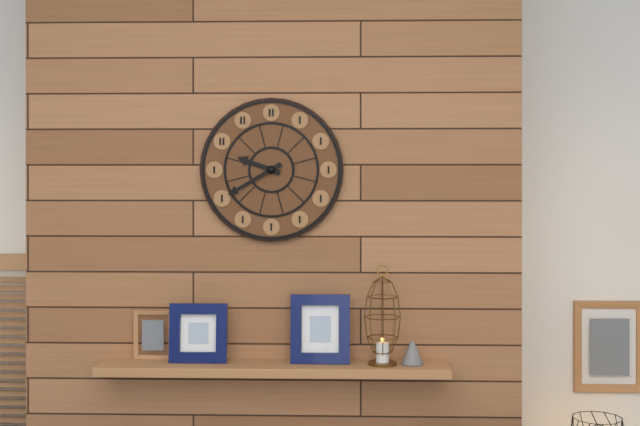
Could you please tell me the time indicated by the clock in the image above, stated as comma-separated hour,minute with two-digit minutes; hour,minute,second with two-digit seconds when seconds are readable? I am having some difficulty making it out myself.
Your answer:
9,40
